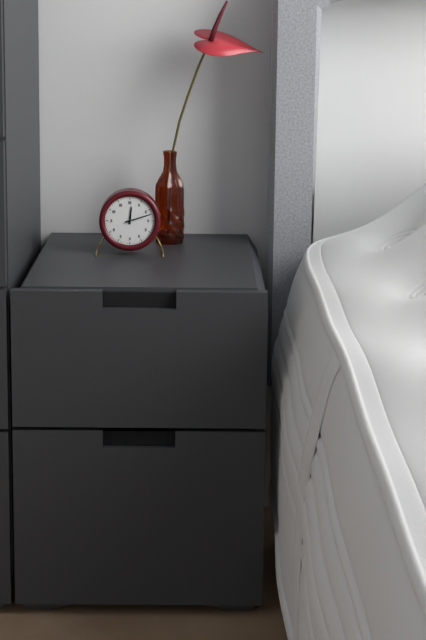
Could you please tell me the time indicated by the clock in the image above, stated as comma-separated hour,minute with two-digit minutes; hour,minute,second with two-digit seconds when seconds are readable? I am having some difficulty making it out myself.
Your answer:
12,12
